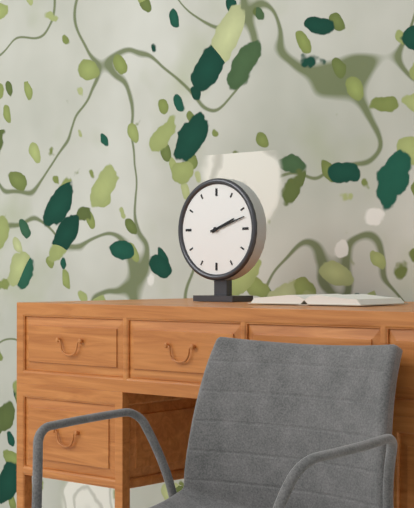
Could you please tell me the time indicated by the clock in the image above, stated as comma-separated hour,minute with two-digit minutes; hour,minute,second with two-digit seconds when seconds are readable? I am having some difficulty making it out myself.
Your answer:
2,12
